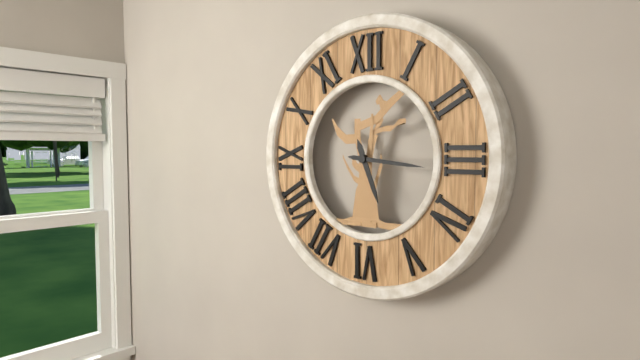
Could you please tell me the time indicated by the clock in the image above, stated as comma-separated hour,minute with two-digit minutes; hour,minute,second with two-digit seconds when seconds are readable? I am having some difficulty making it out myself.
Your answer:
5,16
